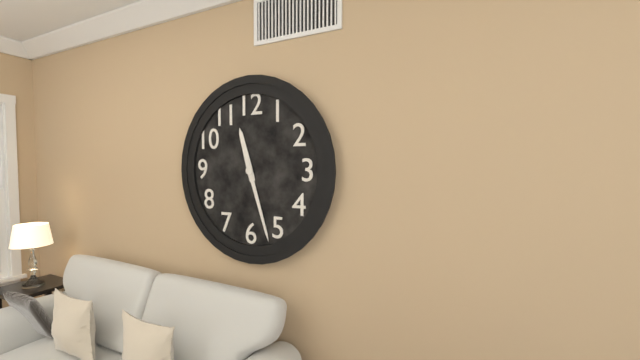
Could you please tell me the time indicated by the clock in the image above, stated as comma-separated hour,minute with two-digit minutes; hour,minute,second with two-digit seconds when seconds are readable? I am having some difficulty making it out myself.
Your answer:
11,27
